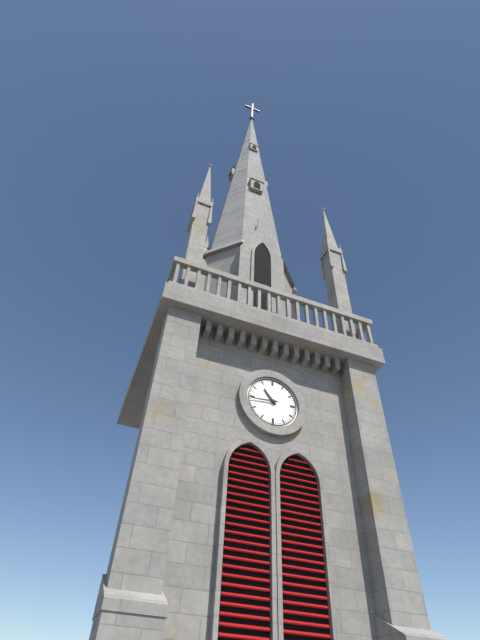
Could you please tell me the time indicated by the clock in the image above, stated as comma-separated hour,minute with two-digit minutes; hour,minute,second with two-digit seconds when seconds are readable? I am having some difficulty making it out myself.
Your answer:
10,44
